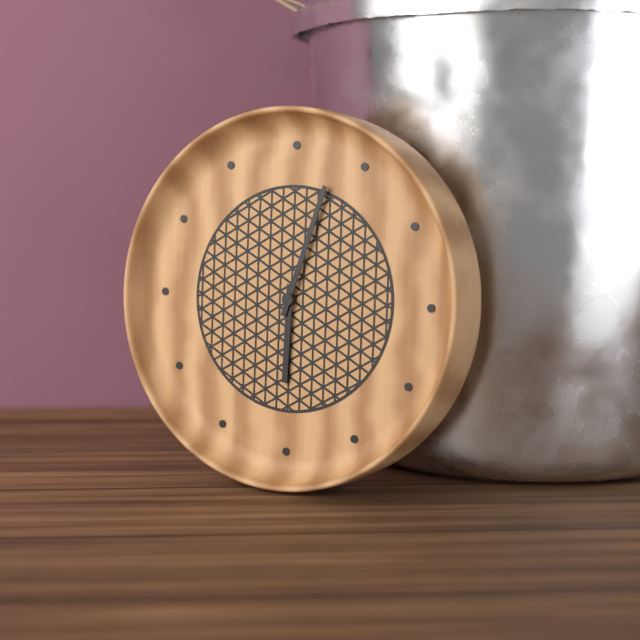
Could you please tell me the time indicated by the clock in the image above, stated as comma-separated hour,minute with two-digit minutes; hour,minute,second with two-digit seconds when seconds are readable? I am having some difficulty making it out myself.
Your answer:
6,03
